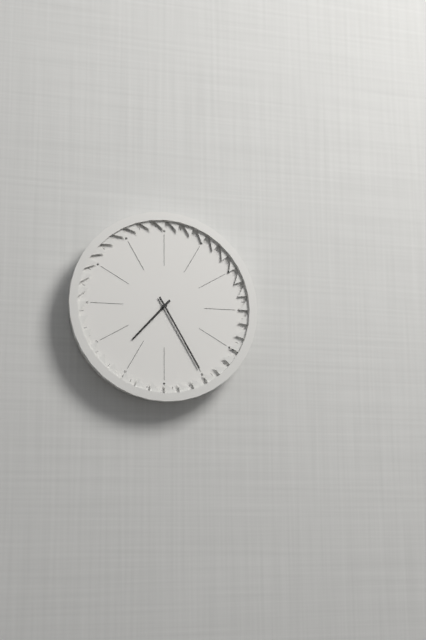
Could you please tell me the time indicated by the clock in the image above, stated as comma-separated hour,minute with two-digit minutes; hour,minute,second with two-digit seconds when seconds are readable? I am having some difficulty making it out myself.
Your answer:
7,25
